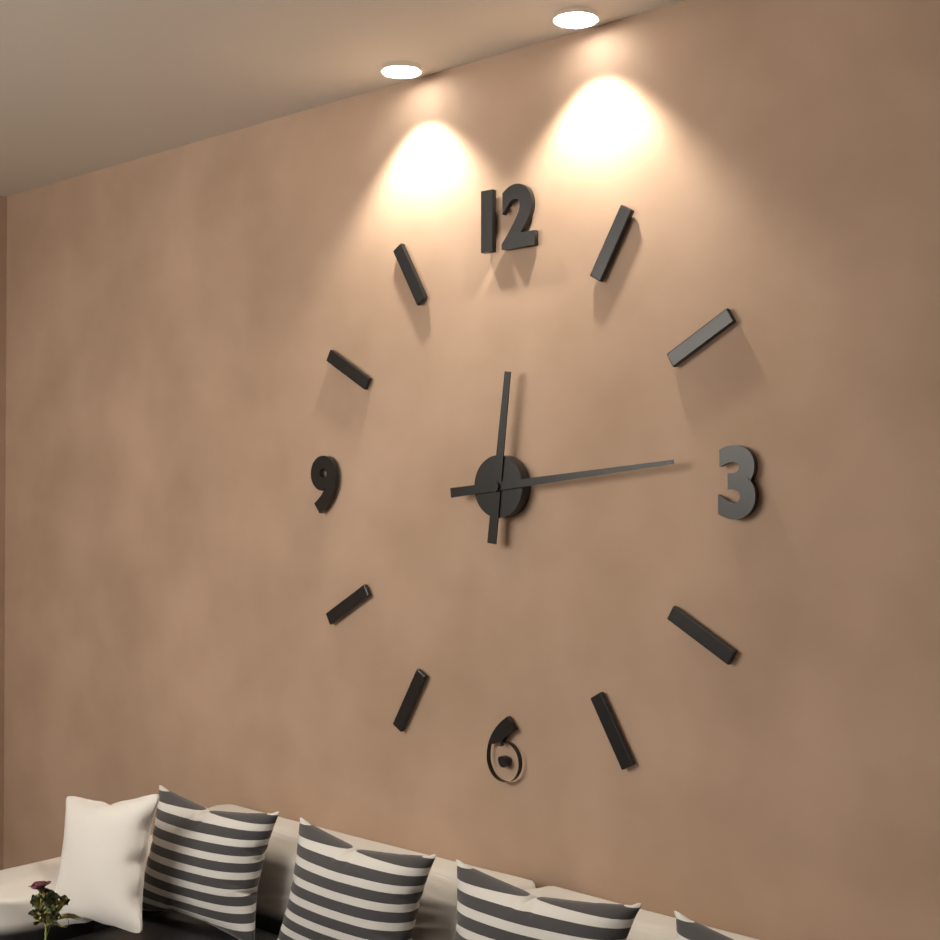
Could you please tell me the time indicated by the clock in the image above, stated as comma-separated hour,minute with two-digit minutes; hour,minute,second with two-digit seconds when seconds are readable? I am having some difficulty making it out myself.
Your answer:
12,14
